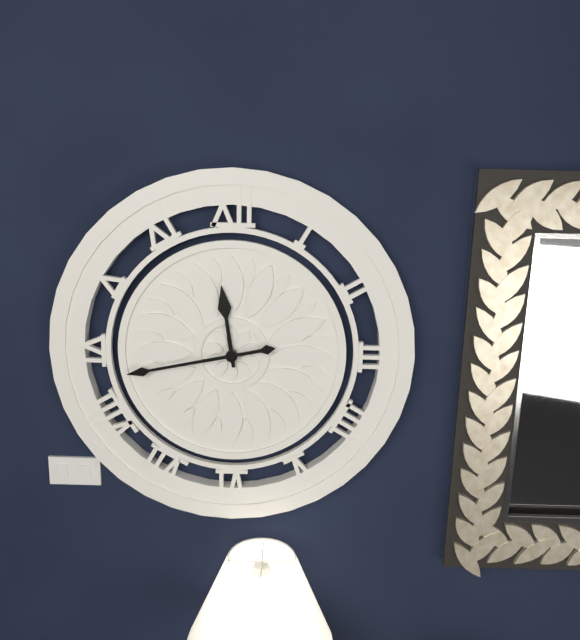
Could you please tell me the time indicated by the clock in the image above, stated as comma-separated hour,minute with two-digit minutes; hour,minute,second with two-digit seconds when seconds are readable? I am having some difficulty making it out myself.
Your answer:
11,43
